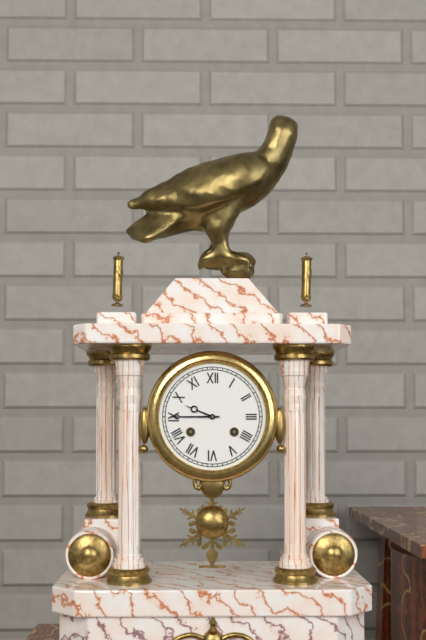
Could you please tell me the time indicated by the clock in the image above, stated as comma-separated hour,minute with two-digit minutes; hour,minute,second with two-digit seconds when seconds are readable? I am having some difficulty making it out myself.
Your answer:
9,45
